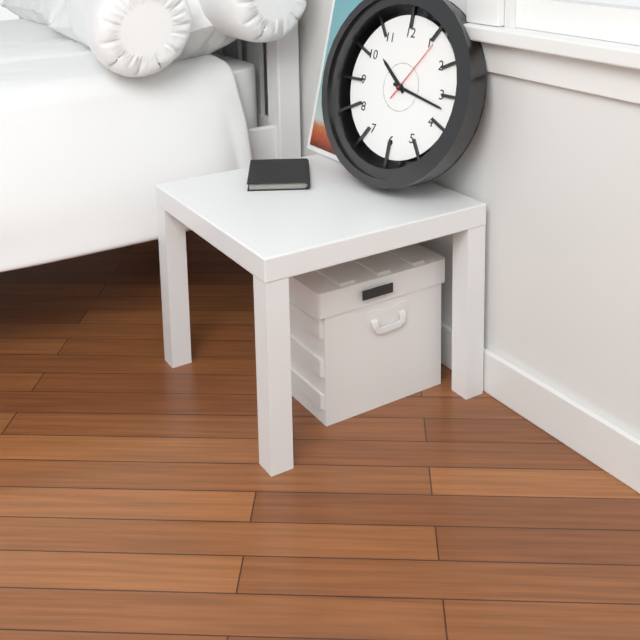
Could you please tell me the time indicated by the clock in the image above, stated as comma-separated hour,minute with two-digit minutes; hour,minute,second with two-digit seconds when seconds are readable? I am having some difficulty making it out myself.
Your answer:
10,17,06
